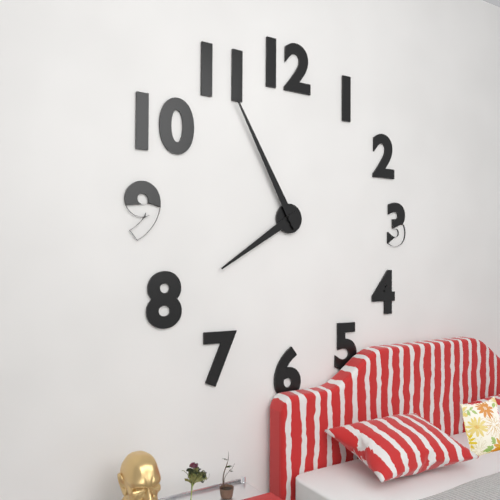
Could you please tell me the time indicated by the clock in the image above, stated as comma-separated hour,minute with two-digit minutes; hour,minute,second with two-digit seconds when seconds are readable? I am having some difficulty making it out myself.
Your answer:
7,55
